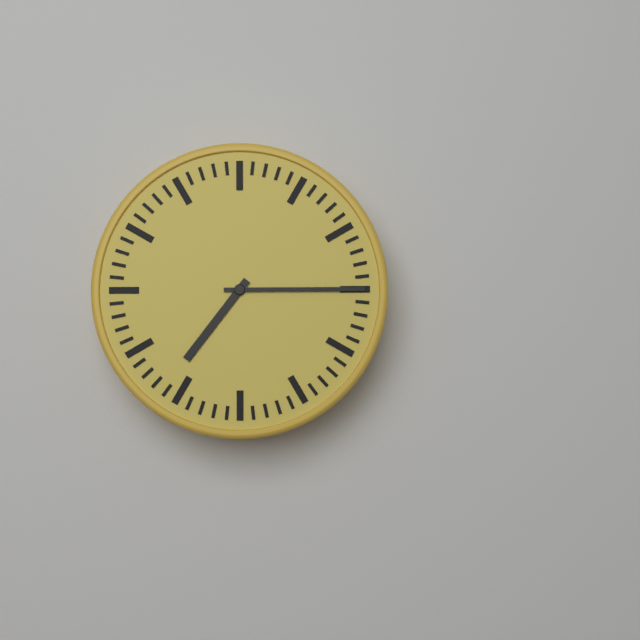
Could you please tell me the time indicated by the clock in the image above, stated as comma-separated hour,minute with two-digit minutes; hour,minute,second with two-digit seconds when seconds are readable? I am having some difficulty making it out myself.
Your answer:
7,15
